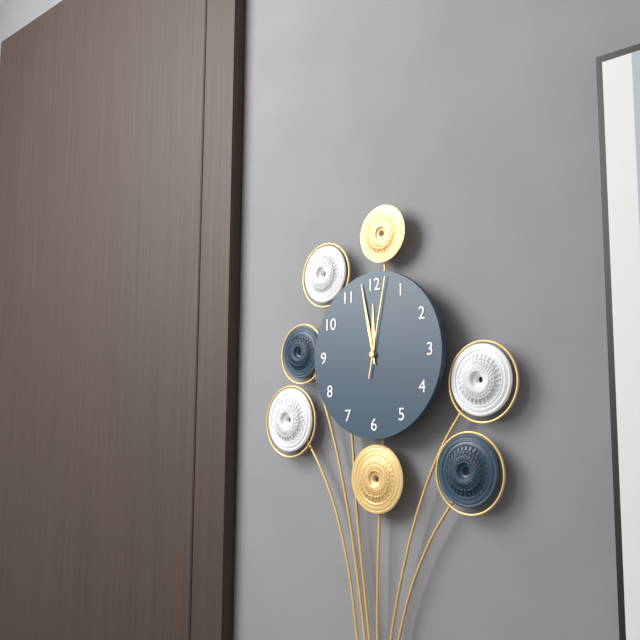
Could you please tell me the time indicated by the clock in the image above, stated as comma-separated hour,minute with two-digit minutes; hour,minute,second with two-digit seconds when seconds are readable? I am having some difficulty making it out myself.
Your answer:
11,58,02
